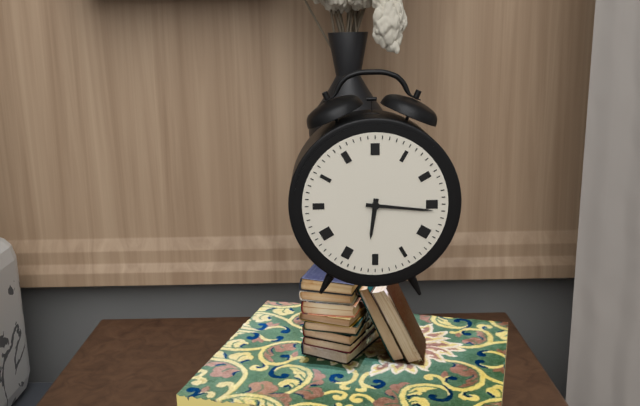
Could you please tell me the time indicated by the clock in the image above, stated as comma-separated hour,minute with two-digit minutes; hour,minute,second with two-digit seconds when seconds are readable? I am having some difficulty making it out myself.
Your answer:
6,16
